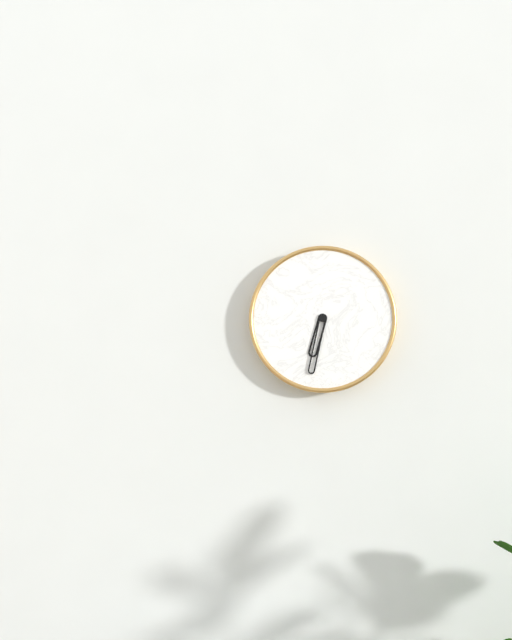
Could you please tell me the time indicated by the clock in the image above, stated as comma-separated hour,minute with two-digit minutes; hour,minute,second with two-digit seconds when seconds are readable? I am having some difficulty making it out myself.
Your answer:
6,32
